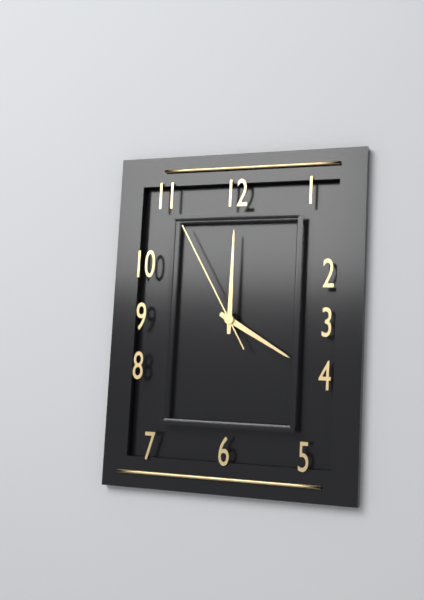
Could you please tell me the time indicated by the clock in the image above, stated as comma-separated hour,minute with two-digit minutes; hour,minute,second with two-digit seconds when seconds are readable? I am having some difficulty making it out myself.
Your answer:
4,00,55
